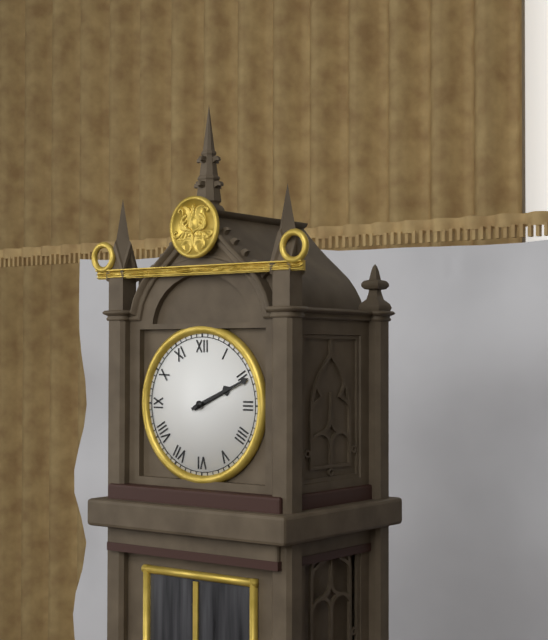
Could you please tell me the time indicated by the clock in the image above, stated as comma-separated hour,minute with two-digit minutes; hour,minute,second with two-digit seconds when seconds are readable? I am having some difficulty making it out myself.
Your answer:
2,11
